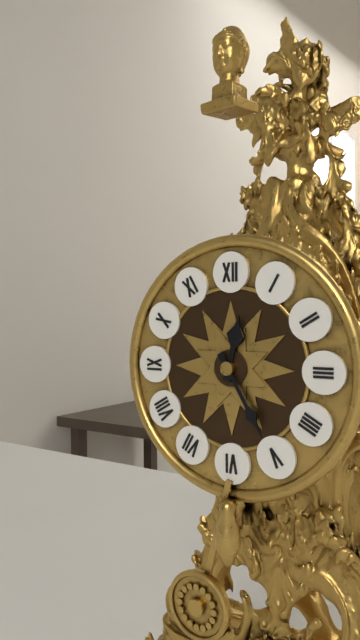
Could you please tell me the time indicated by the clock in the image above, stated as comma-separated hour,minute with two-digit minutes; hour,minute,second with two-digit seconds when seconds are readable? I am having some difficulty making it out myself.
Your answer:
12,25
